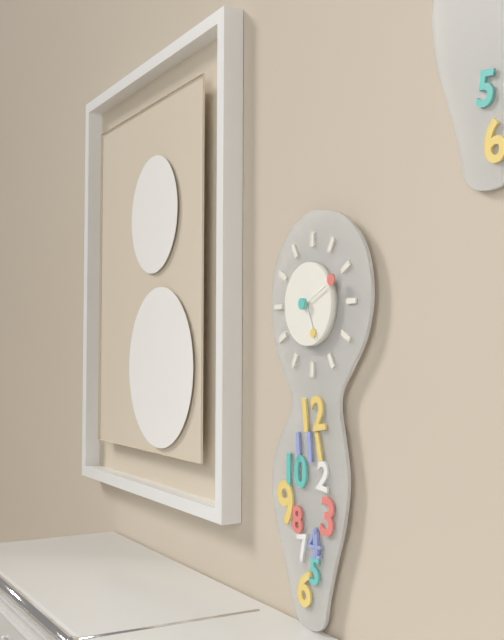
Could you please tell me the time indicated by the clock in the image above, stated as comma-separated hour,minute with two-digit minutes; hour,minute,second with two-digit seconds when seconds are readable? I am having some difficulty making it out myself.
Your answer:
5,11
